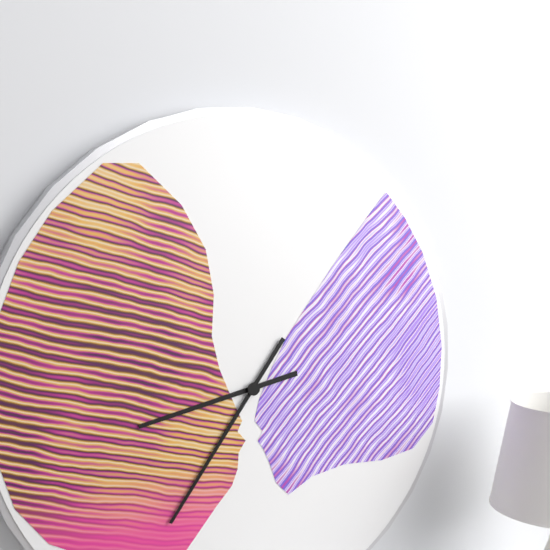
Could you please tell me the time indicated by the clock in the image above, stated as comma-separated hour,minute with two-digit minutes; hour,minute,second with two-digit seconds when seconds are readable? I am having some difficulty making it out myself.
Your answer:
8,36
